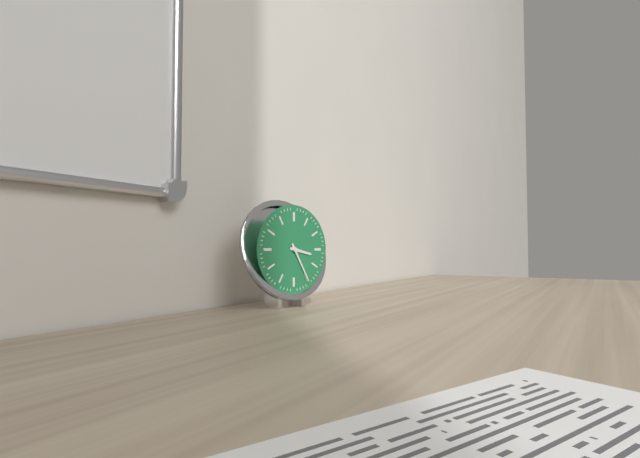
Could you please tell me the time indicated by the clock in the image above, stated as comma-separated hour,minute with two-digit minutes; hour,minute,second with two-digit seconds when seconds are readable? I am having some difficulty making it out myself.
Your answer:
3,25
